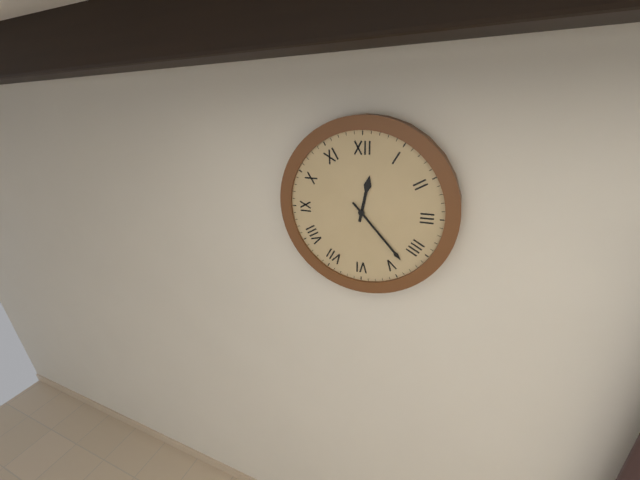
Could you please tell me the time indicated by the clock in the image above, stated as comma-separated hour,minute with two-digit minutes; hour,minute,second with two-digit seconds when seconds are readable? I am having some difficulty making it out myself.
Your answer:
12,23
